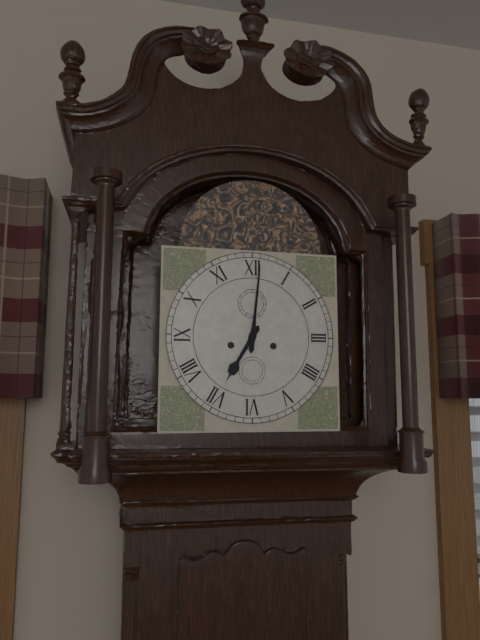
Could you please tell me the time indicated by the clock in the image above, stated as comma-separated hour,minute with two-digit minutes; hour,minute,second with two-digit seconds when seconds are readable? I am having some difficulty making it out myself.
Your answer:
7,01
